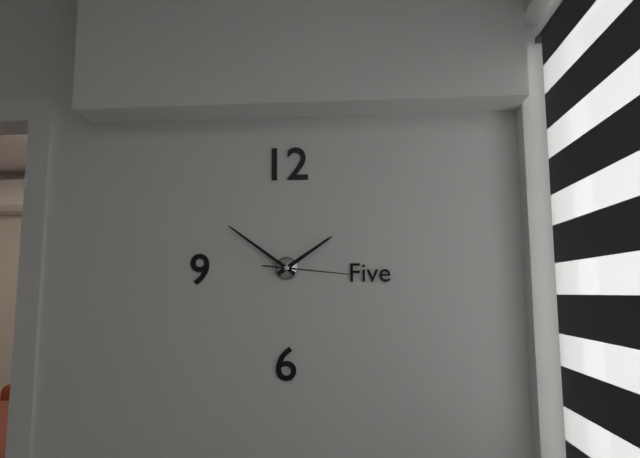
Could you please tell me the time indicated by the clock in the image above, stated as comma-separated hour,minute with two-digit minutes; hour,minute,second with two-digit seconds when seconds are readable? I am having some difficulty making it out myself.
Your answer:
1,51,16
